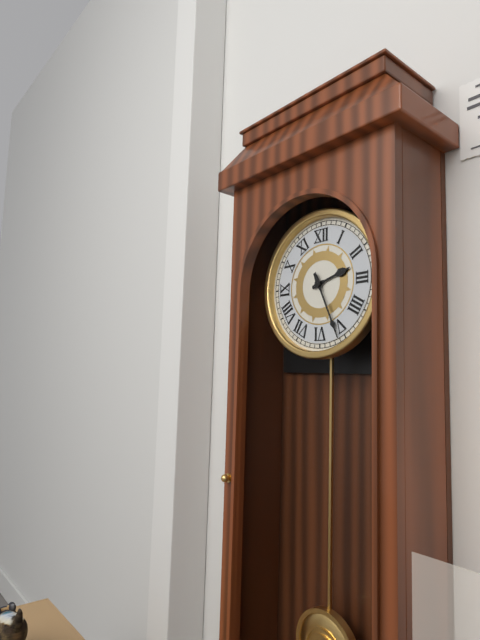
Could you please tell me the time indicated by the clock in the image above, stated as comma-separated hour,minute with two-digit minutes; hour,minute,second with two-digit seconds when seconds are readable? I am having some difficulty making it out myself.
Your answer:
2,26
